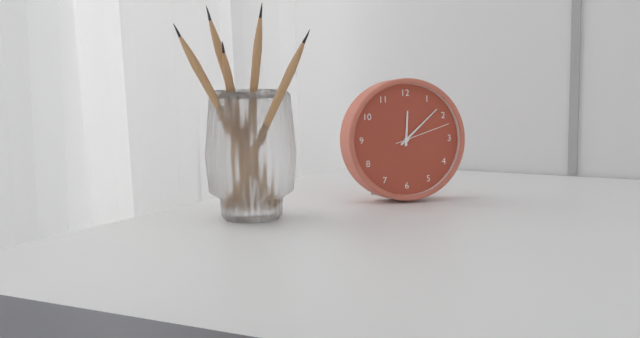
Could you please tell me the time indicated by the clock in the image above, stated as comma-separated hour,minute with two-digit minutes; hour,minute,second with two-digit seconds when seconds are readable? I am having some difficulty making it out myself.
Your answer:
12,08,12
